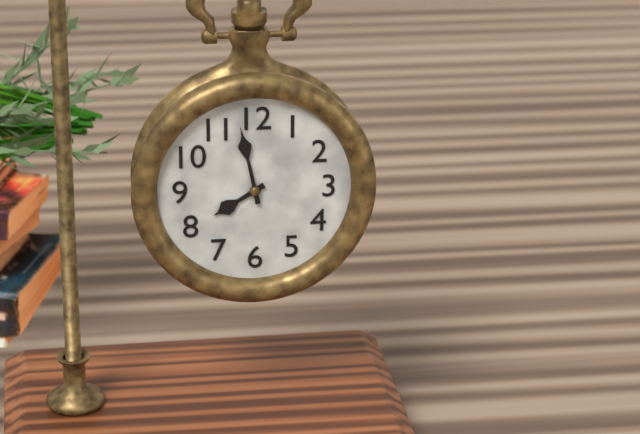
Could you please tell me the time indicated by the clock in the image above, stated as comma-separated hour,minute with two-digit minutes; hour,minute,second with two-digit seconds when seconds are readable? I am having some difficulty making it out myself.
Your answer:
7,58
